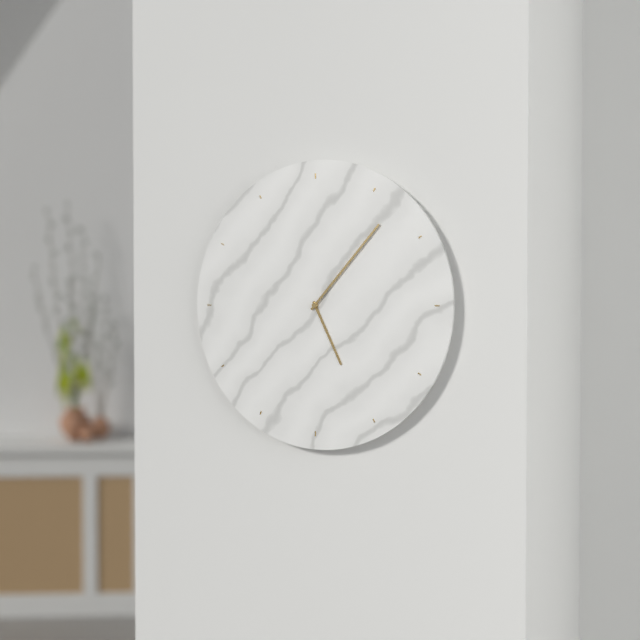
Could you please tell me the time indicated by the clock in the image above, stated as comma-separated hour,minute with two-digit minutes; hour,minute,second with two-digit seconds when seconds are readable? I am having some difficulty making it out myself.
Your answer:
5,07
